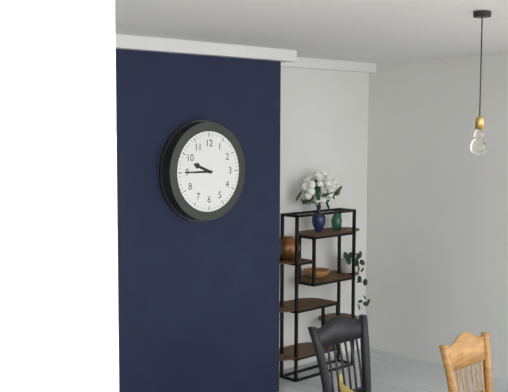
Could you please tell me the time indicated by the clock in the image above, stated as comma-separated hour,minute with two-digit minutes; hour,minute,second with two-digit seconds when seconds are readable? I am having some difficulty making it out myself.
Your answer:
9,45
